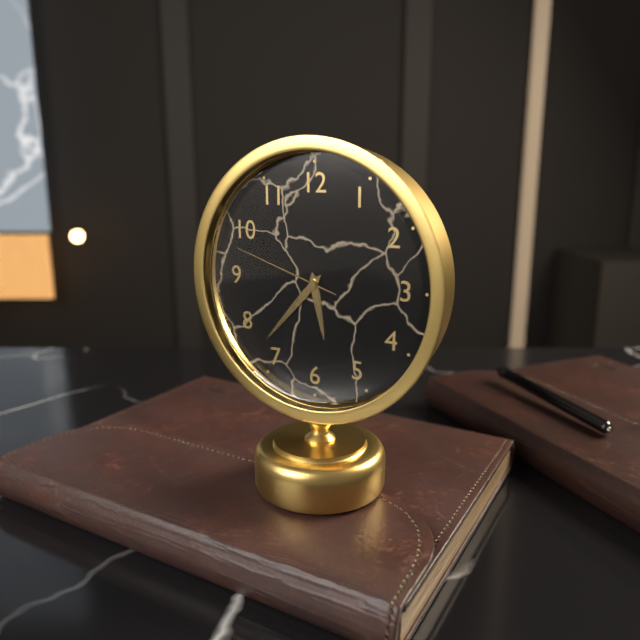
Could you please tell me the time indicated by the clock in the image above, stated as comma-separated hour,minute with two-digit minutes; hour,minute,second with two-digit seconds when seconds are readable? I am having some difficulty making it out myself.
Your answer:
5,37,48
